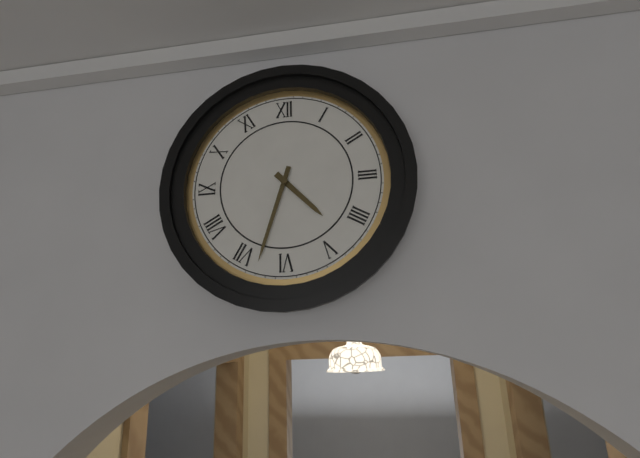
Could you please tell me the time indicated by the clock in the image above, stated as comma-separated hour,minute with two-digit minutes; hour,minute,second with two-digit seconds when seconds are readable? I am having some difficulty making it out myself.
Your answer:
4,33
